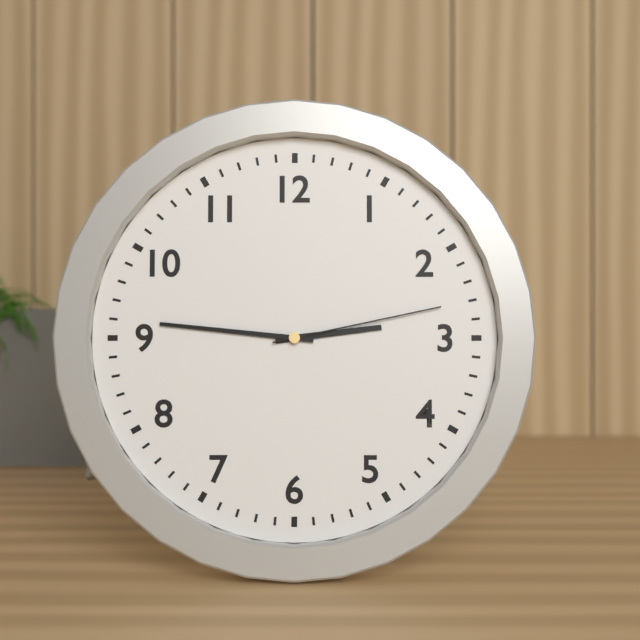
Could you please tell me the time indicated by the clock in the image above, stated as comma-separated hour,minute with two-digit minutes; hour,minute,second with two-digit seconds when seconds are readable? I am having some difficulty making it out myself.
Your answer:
2,46,13
